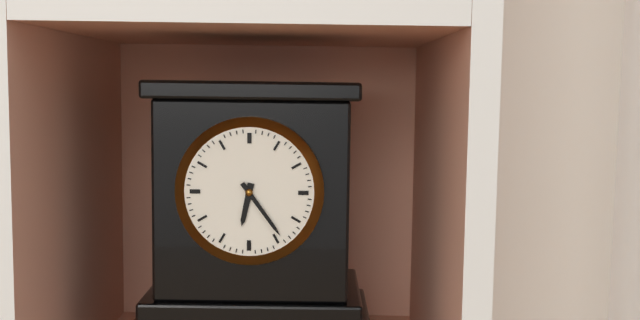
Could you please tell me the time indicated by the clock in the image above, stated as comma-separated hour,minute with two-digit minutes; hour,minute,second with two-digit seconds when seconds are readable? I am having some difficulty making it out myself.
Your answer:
6,24
